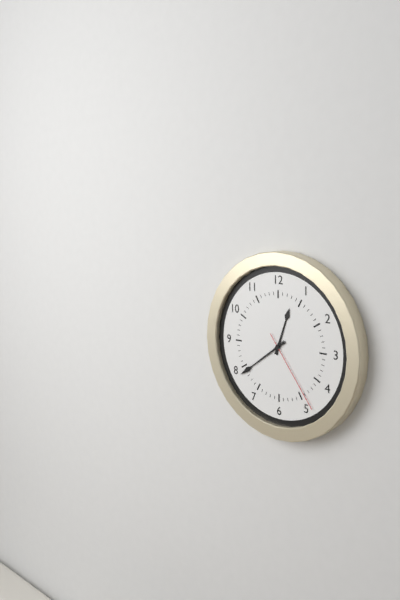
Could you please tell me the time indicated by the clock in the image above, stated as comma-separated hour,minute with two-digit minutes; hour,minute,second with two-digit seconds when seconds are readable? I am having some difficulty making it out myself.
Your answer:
12,39,24
